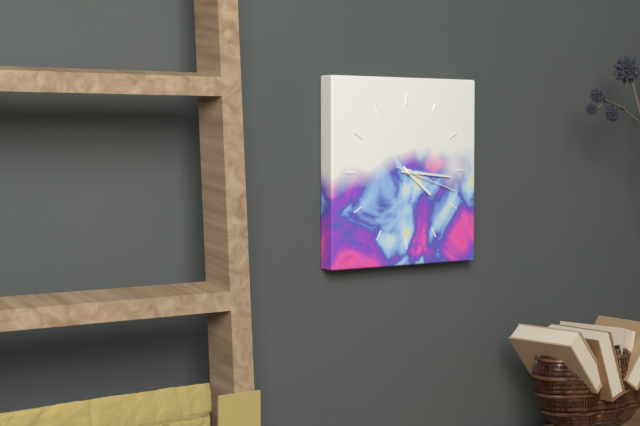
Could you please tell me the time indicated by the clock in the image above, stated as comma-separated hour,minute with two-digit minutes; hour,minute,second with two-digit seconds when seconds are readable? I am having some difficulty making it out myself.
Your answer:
4,16,18
